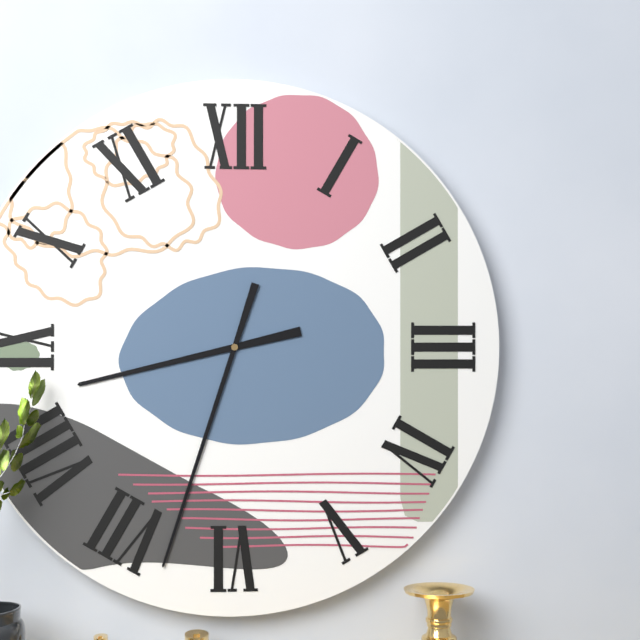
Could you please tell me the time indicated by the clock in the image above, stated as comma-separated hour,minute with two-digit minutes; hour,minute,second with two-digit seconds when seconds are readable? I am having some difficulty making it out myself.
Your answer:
8,33
